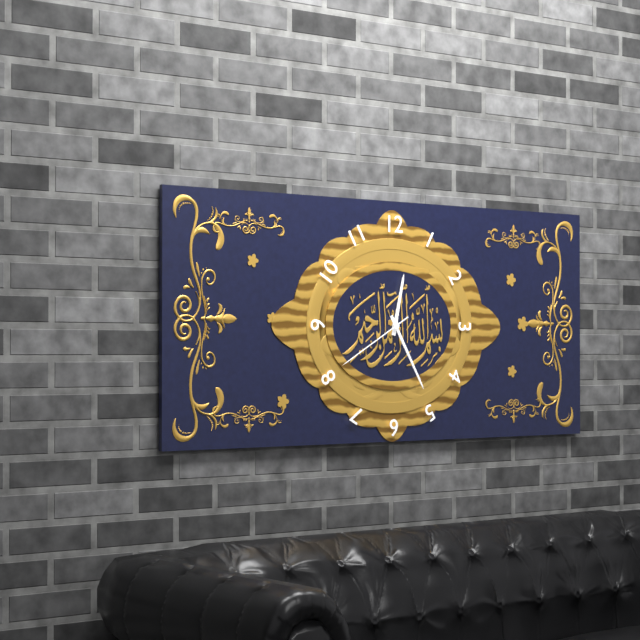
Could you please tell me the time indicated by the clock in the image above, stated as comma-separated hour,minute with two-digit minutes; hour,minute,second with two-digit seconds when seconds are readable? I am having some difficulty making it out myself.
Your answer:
12,25,40
